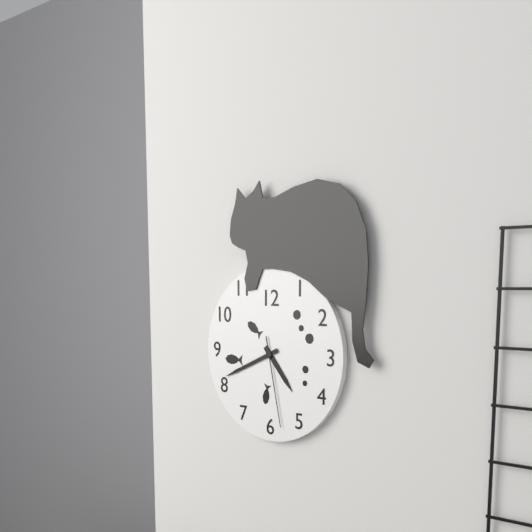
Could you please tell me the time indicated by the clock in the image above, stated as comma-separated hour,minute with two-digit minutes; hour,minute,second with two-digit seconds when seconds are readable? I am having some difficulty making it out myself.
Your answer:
4,41,28
